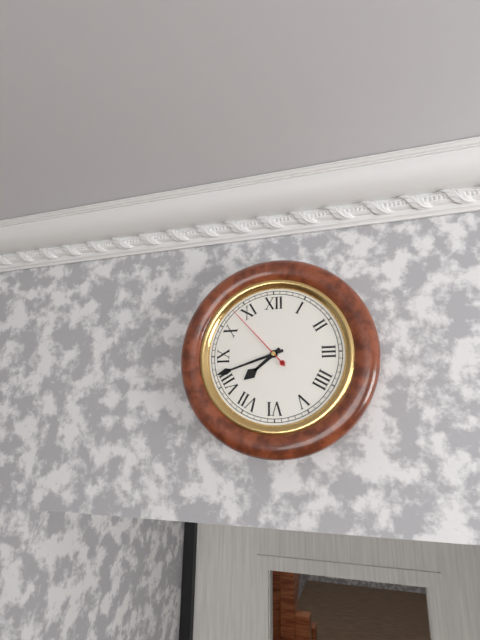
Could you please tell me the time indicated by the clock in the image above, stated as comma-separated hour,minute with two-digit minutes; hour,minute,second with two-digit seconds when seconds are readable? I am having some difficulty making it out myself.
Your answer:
7,42,53
